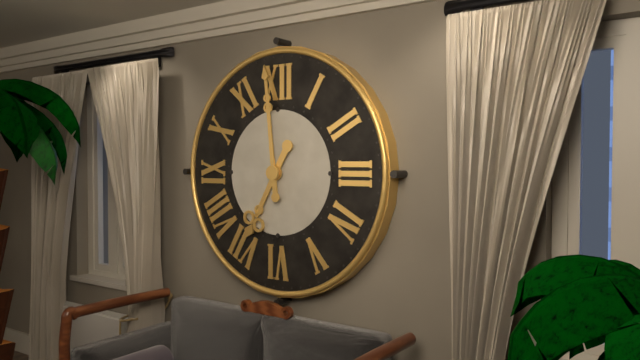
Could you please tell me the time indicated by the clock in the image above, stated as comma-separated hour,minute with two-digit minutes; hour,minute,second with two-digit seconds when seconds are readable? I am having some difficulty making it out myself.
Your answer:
6,59
